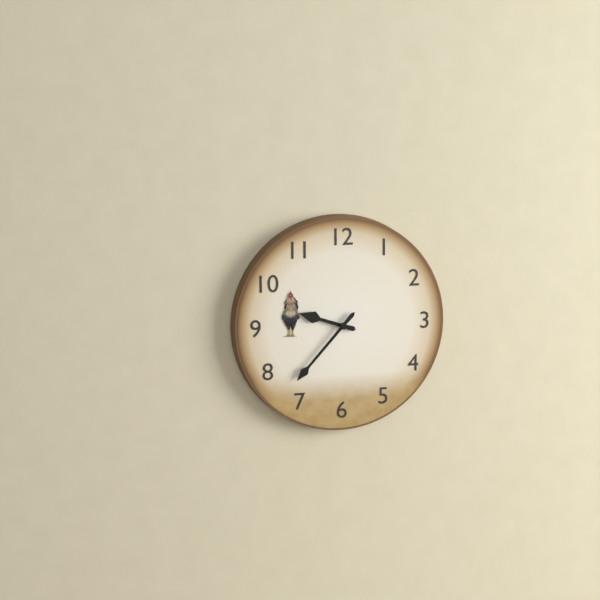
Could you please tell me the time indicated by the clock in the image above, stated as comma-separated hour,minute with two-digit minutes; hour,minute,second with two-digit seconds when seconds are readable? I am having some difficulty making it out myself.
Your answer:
9,37
